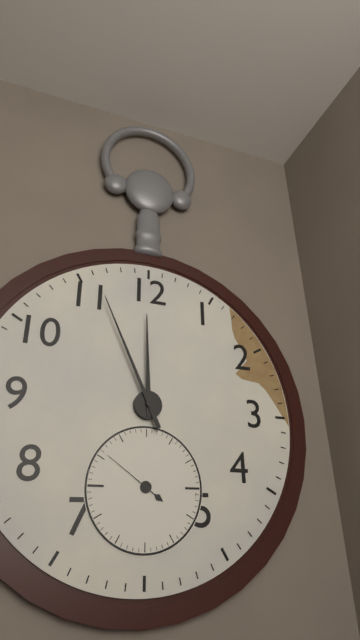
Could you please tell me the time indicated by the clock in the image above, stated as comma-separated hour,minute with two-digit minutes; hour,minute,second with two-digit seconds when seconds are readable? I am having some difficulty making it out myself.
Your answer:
11,56,51
